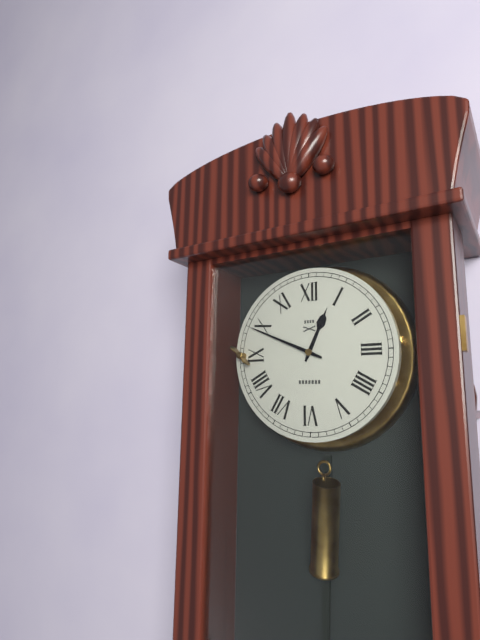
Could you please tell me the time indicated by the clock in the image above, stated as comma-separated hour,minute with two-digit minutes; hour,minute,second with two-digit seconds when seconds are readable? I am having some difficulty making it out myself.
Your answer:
12,49
